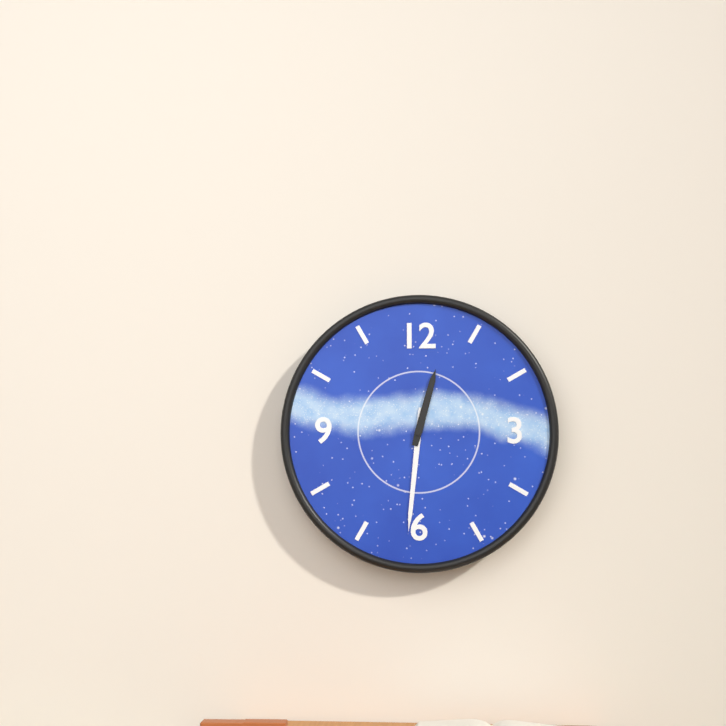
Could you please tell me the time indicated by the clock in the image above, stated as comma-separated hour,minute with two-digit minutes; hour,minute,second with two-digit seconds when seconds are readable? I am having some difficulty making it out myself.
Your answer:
12,31
